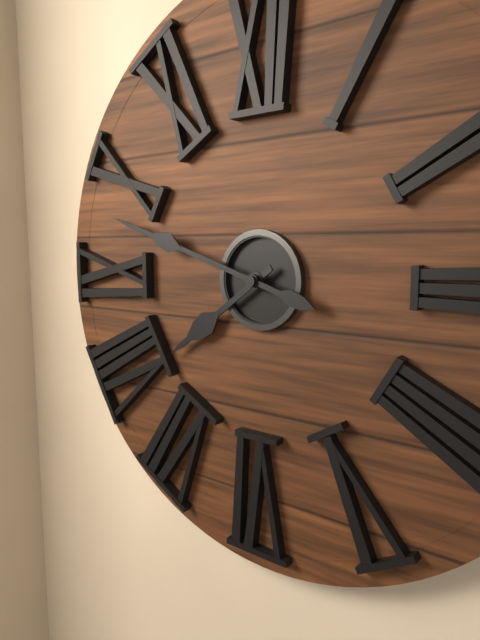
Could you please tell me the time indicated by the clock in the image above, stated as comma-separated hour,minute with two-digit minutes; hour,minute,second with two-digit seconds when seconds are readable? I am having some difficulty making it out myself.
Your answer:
7,48
